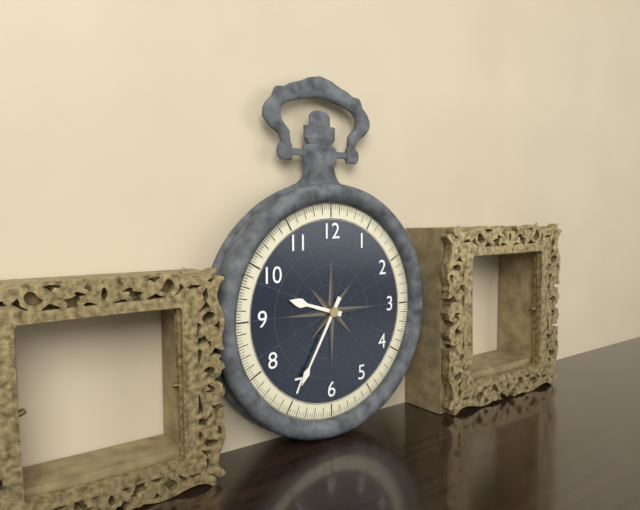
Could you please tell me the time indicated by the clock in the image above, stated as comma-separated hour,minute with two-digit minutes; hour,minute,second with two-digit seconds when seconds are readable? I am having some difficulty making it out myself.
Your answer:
9,35
